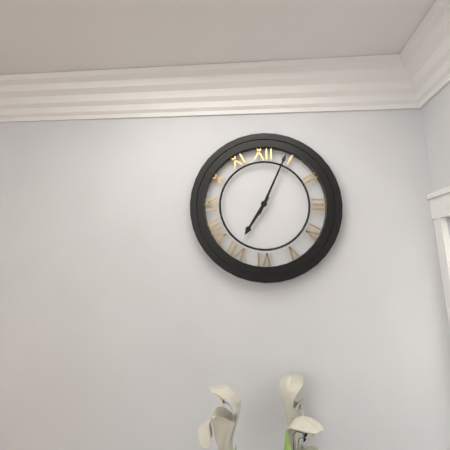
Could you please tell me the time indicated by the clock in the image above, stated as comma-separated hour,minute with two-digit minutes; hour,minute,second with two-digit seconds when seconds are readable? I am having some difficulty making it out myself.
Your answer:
7,04
